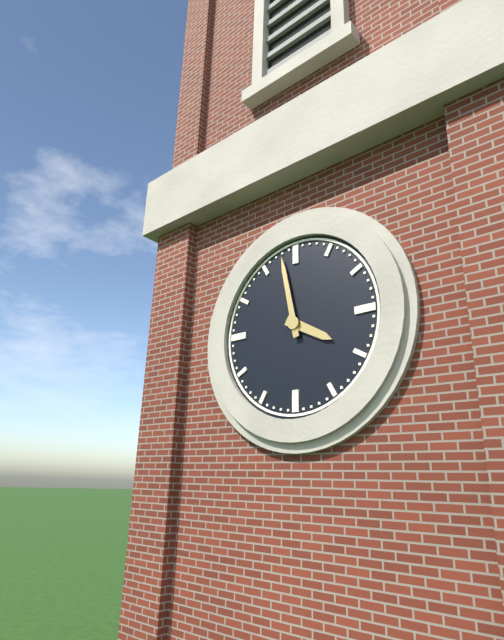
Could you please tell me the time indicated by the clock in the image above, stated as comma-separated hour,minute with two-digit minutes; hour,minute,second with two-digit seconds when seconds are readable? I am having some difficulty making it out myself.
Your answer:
3,58
